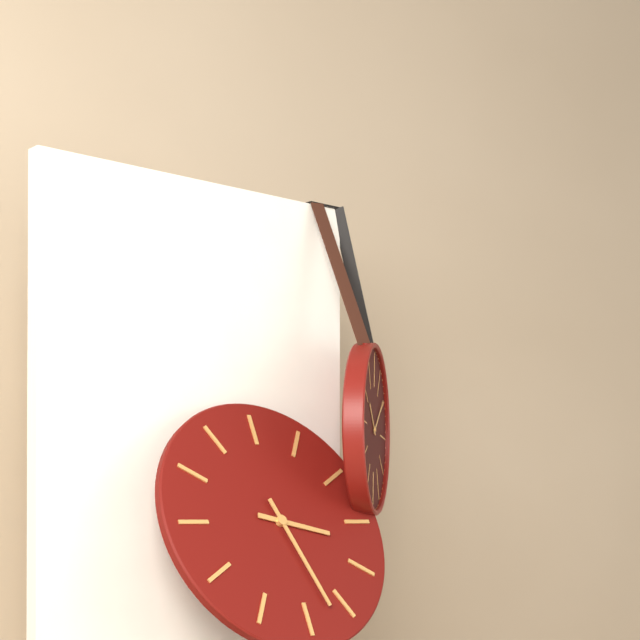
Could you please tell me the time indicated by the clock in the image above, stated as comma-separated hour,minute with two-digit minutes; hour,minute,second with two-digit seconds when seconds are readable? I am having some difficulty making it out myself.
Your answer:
3,27
